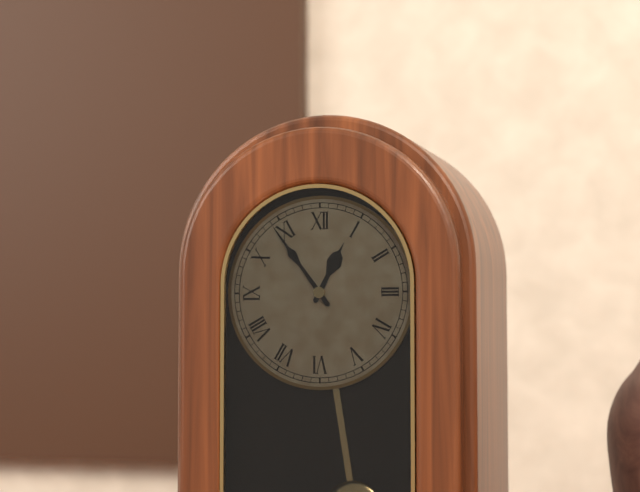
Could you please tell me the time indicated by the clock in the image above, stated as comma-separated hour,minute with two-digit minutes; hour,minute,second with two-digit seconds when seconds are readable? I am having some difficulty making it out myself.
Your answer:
12,54
